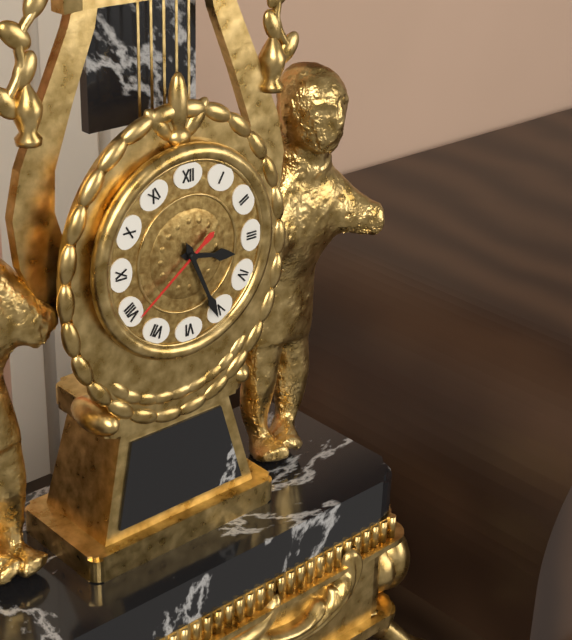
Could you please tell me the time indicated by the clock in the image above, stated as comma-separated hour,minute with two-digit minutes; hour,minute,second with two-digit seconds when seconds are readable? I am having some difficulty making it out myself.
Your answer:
3,26,39
